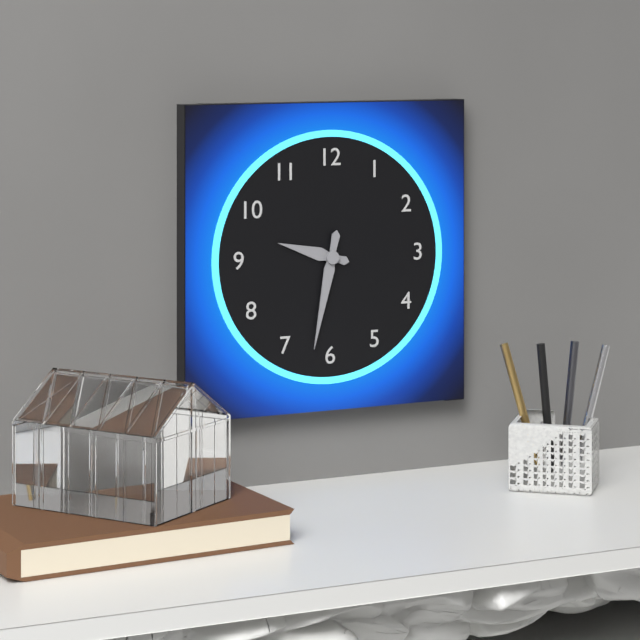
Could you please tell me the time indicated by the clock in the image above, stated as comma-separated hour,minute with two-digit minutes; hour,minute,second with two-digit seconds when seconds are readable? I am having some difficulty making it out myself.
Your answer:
9,32
